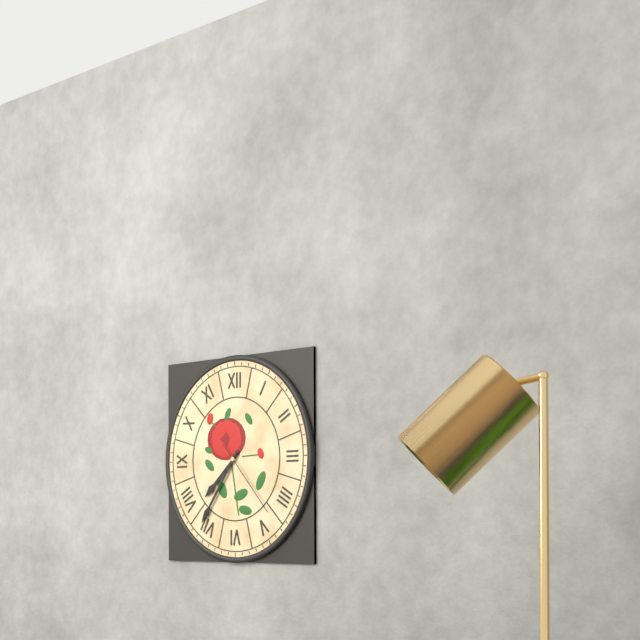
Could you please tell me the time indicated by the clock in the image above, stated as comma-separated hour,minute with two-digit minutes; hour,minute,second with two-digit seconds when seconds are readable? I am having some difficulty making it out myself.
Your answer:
7,36,23
